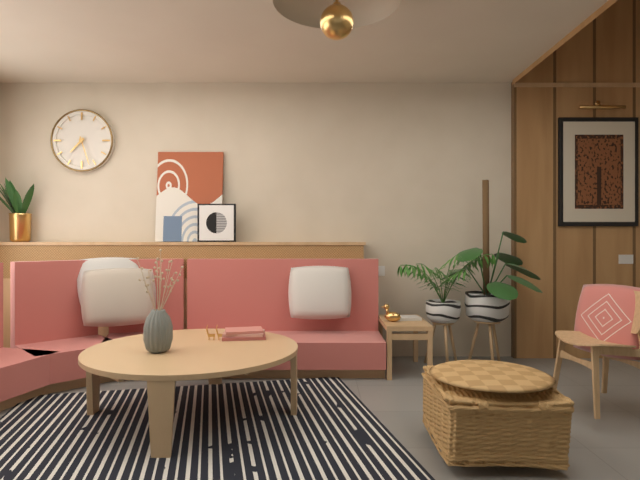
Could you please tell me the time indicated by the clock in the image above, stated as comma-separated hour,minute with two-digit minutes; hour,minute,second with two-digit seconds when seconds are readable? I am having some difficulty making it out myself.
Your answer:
7,27
